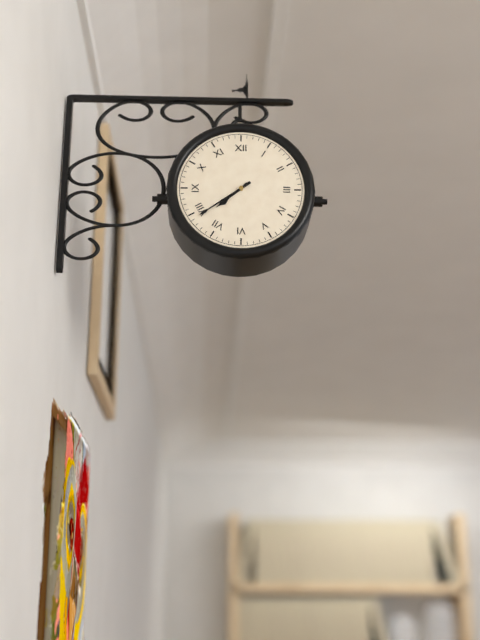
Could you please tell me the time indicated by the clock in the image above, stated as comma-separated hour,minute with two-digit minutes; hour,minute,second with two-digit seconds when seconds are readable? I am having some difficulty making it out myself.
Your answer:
7,39
